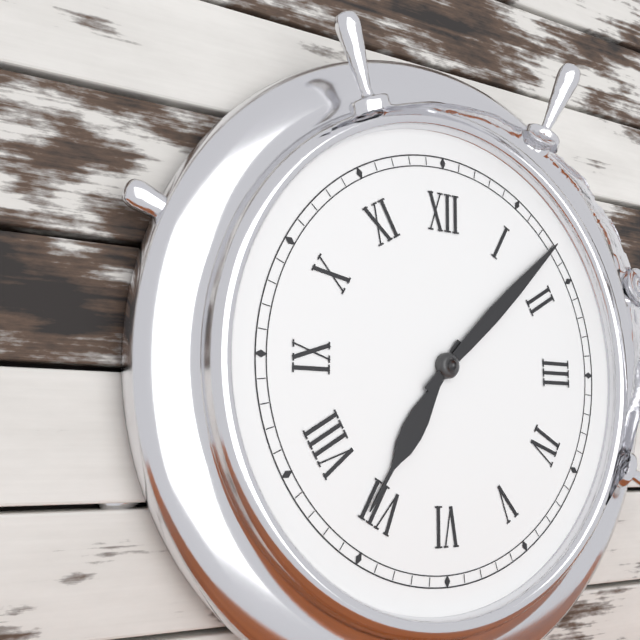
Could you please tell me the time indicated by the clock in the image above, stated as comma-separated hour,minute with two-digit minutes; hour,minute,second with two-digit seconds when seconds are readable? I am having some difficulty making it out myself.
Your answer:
7,08
